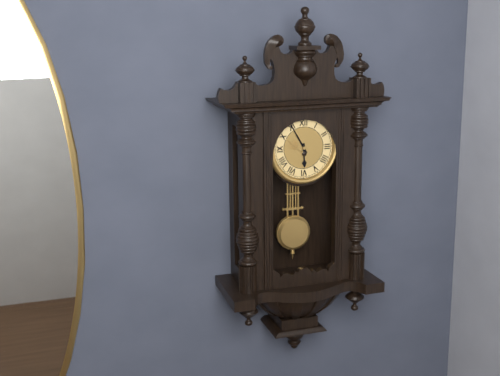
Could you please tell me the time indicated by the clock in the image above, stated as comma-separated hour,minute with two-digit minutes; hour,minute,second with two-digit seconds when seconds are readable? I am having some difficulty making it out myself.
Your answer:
5,55
